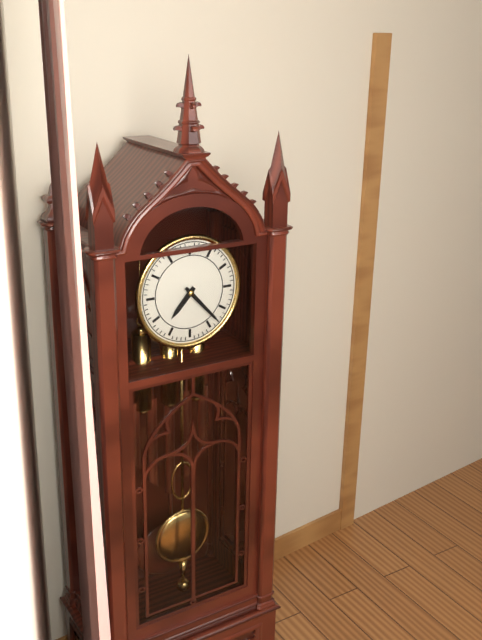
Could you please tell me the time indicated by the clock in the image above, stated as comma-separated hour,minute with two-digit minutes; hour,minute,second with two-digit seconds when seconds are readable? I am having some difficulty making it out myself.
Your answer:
7,23
